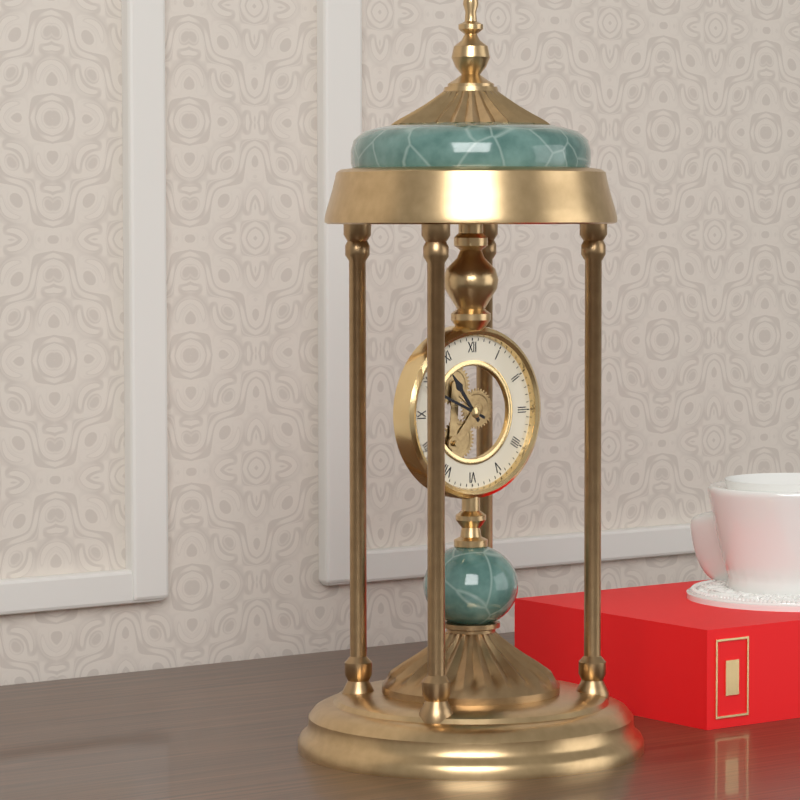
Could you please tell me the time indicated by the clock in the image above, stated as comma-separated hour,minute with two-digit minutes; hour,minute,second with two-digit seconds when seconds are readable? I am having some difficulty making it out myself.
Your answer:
10,49
